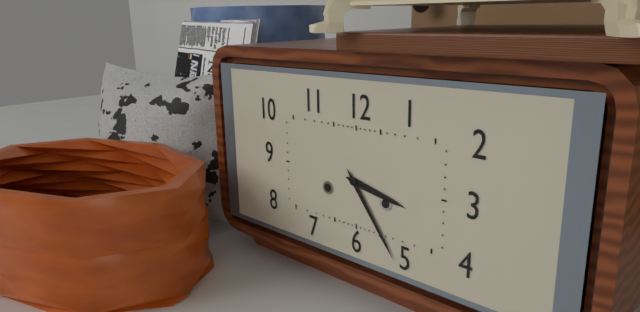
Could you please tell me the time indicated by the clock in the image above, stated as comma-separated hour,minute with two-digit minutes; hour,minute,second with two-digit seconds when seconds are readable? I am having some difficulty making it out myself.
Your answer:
3,24
